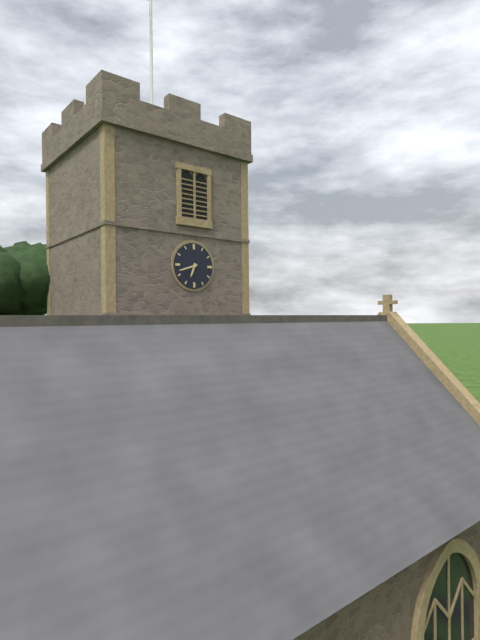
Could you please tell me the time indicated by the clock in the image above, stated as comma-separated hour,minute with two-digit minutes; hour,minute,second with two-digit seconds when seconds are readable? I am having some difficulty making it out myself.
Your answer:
6,42
